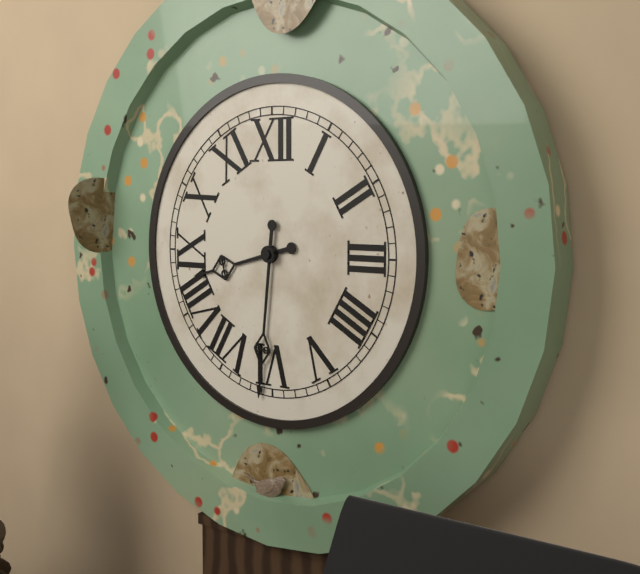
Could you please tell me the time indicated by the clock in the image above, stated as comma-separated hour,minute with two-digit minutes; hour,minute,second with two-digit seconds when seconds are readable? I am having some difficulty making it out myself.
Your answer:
8,31
